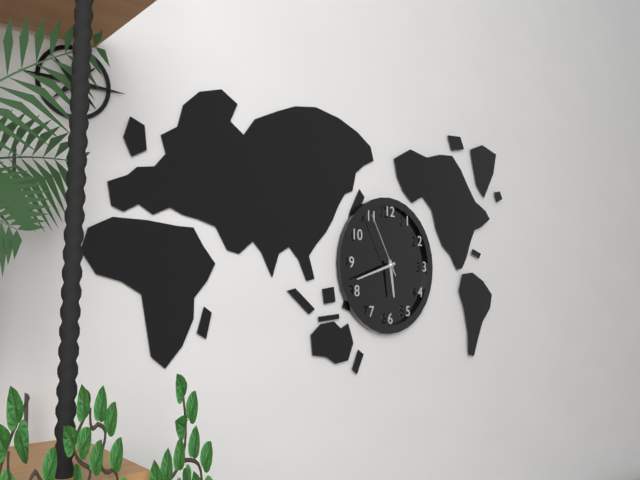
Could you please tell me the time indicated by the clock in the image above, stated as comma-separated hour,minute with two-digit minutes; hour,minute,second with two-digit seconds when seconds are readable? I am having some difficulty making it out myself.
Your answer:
5,42,55
